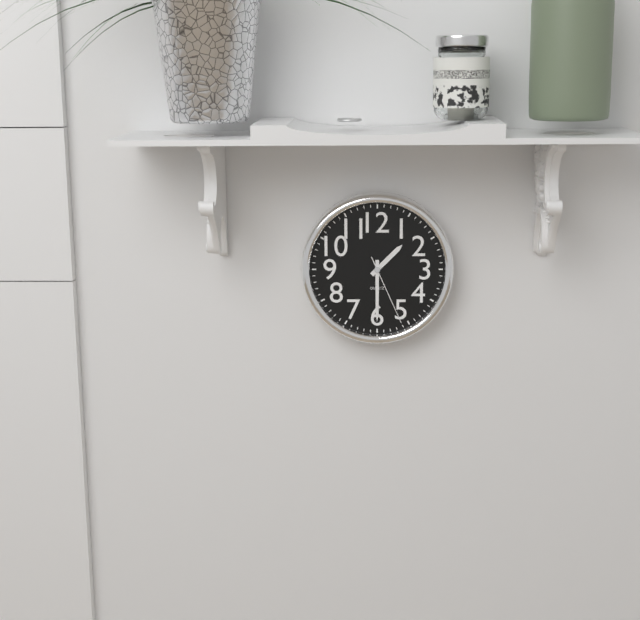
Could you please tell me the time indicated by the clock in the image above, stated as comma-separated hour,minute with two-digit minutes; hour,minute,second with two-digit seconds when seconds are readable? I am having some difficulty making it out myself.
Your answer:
1,30,26
